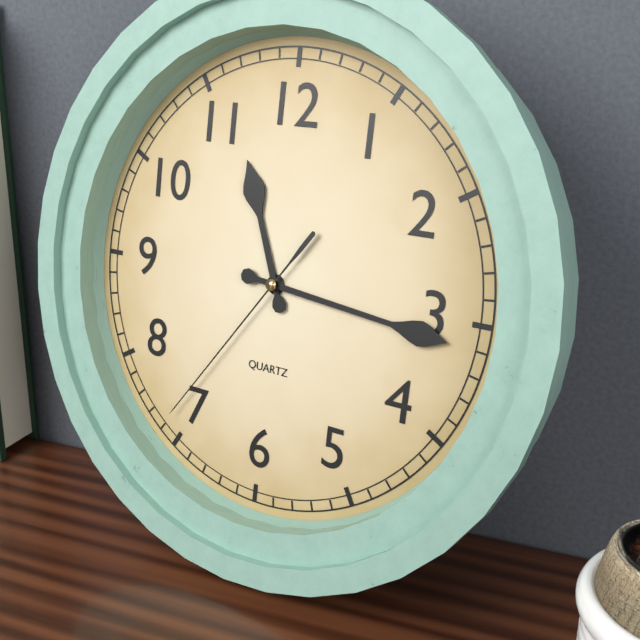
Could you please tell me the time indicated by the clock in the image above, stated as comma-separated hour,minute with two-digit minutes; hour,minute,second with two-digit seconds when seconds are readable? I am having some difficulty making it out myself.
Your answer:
11,16,36
